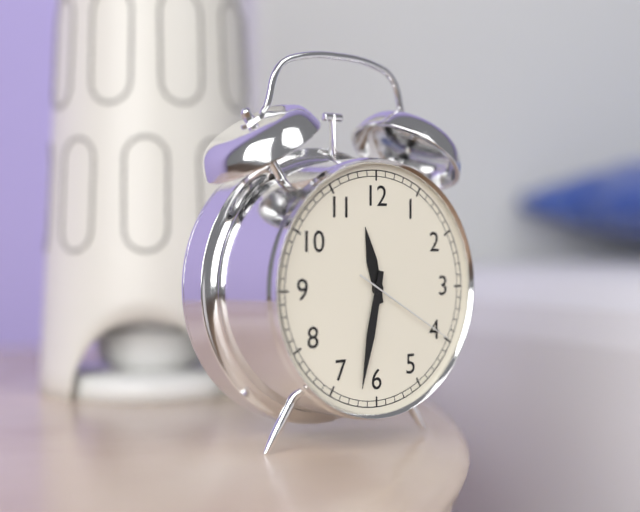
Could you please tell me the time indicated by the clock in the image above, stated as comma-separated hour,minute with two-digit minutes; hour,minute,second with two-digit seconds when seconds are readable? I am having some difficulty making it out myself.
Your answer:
11,32,20
